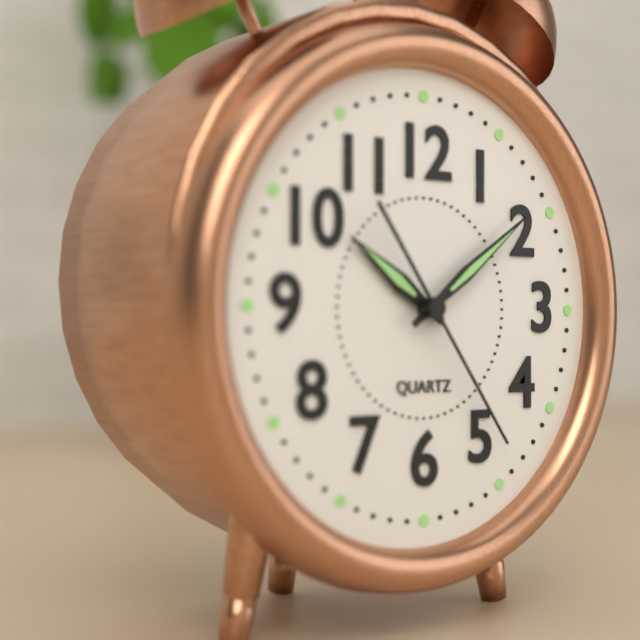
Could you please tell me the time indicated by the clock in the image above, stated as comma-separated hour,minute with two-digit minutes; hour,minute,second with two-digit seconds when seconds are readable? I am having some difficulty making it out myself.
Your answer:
10,09,24
